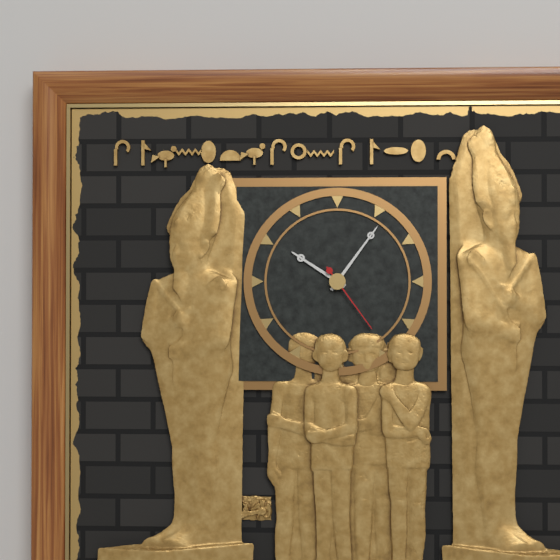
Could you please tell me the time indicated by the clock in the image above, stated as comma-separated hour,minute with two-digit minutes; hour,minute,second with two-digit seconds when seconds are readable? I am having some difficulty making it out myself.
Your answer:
10,06,24
